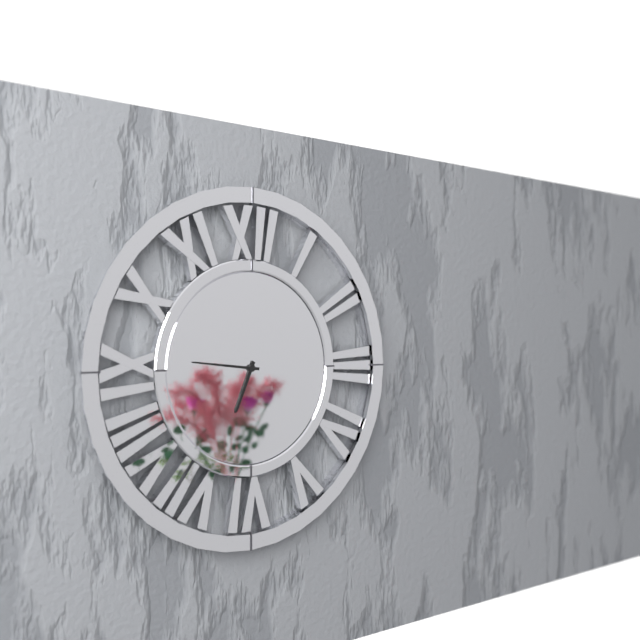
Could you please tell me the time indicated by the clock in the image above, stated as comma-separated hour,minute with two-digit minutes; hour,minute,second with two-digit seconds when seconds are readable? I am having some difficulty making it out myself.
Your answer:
6,46
